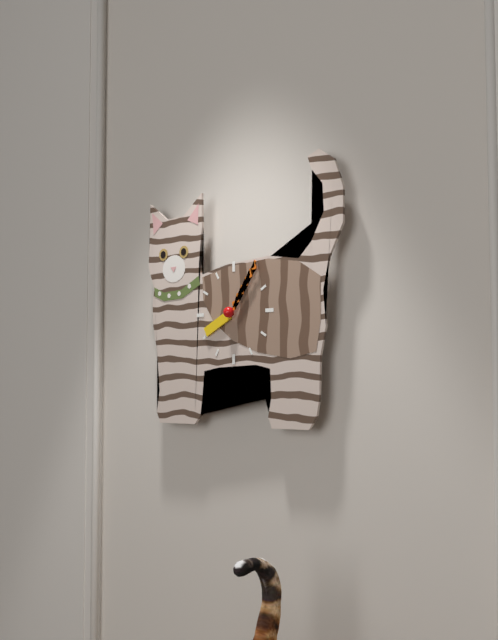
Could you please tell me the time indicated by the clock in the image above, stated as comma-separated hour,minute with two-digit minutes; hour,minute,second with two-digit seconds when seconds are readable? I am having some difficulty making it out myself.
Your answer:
8,06
